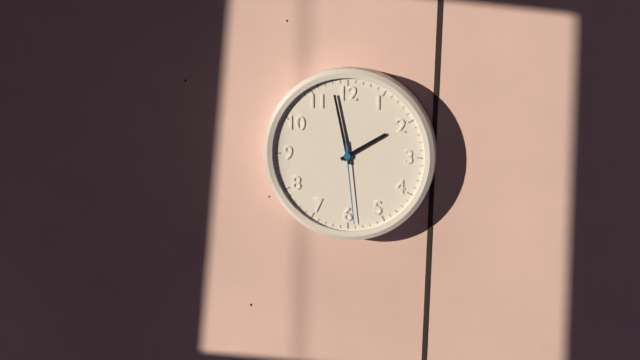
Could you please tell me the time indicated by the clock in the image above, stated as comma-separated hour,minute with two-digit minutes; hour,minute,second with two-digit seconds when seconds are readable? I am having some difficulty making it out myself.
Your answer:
1,58,29
